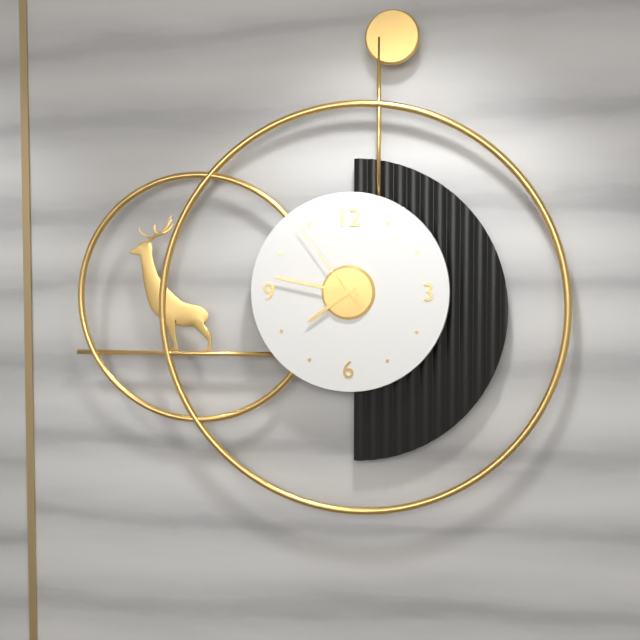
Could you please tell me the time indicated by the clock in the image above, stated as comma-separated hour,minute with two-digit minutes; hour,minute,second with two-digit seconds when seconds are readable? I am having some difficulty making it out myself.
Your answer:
7,47,54
